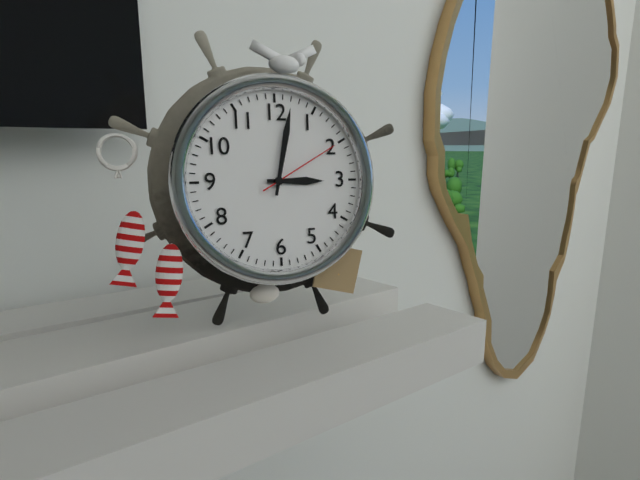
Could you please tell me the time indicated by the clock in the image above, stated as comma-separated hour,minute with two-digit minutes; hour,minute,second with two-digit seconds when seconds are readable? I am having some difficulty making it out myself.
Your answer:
3,02,10
